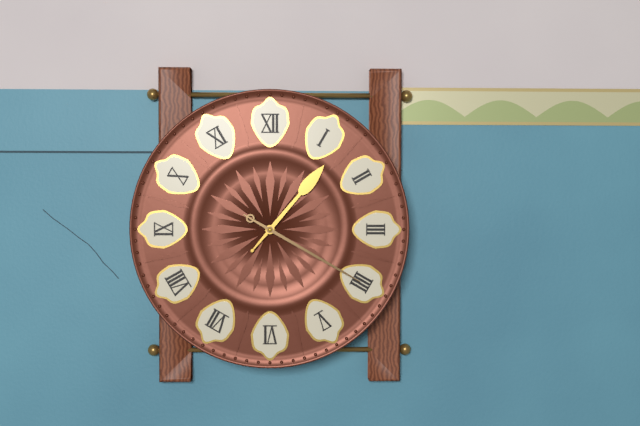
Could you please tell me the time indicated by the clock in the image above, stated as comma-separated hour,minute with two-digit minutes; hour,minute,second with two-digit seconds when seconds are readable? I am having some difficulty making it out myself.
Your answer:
1,20
